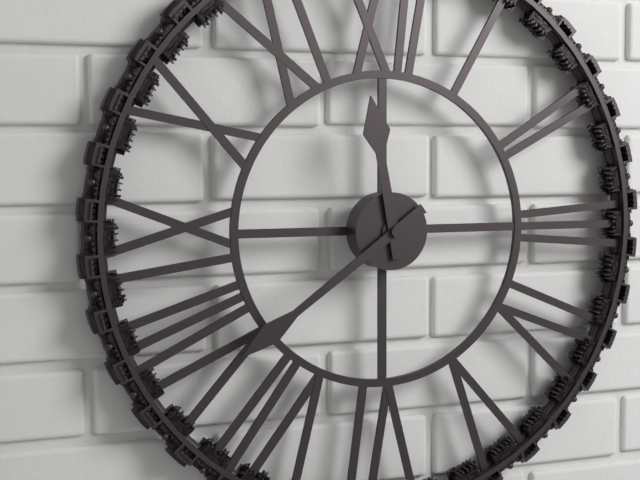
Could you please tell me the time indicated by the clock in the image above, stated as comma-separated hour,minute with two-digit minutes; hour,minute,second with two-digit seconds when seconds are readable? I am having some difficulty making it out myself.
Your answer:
11,39
